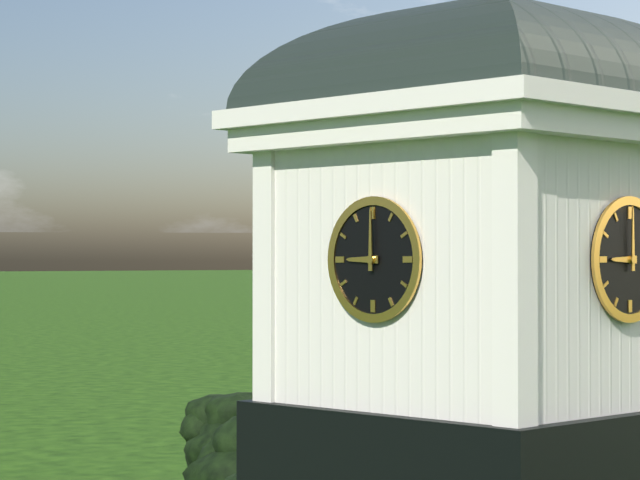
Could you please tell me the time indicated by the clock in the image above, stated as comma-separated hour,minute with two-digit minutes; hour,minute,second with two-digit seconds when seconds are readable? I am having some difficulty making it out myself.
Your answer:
9,00
